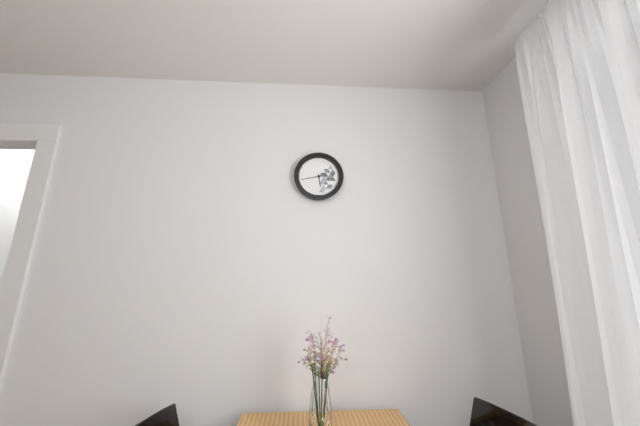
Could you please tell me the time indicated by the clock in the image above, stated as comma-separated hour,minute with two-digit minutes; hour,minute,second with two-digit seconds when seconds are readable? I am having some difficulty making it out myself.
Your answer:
5,43
